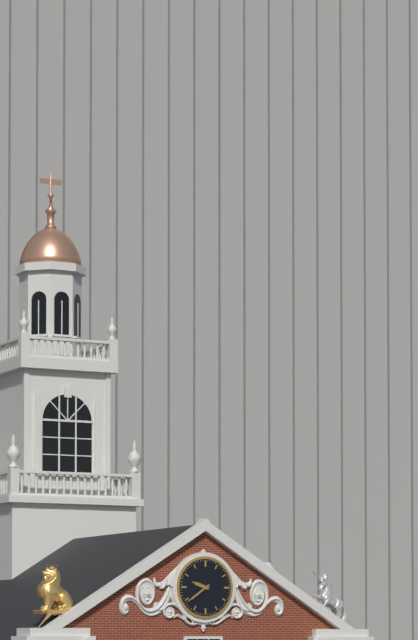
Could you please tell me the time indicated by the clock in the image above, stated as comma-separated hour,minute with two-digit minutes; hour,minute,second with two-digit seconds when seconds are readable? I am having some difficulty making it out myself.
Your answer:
9,39
